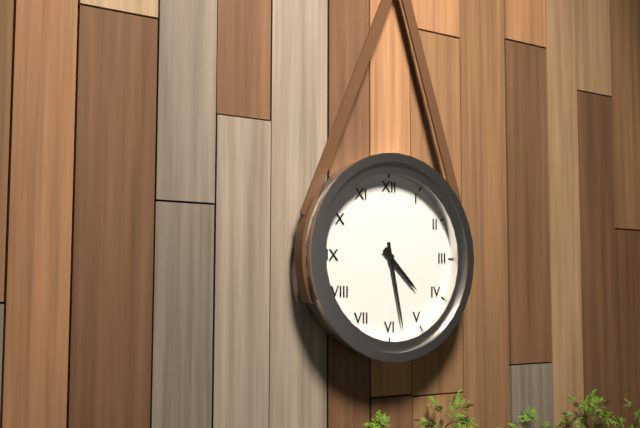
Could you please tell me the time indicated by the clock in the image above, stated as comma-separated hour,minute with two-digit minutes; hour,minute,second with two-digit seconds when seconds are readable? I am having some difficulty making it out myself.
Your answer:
4,28
